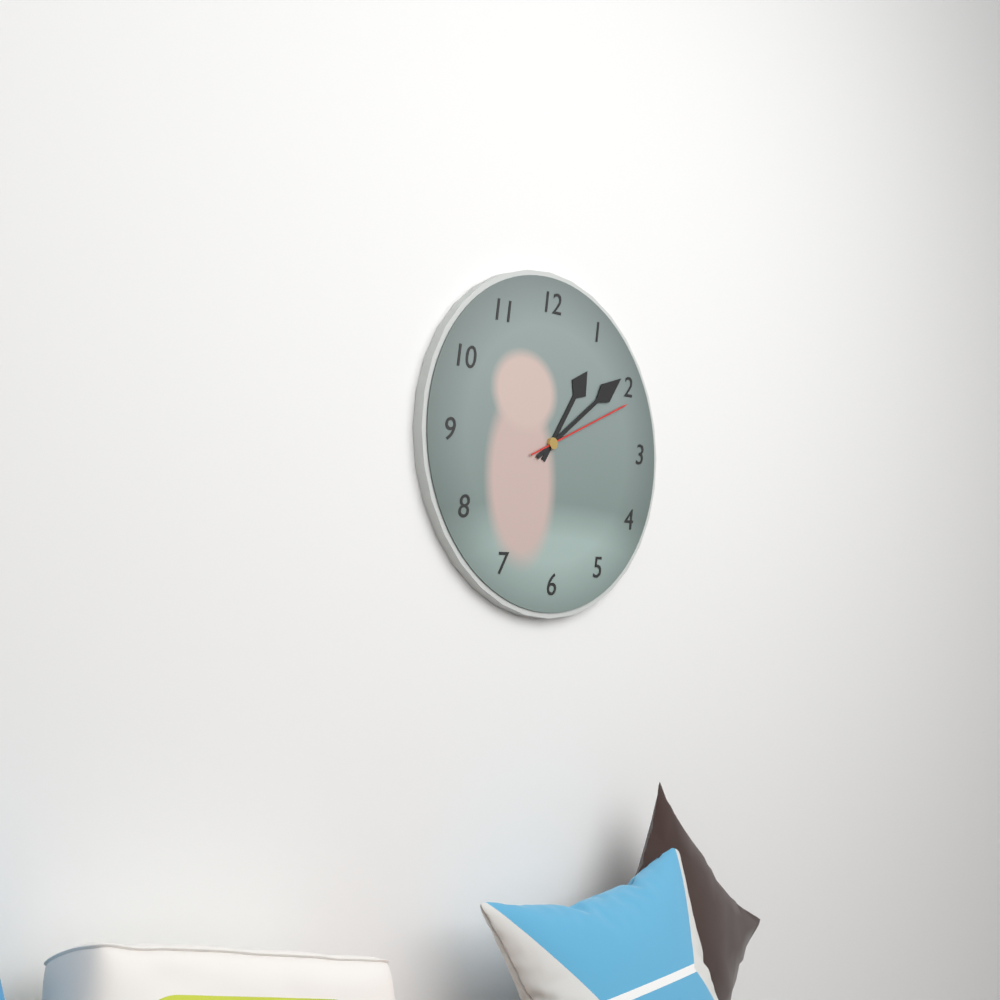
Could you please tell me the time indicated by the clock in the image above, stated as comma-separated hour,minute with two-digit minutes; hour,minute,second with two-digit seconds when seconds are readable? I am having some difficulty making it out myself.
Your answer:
1,09,11
